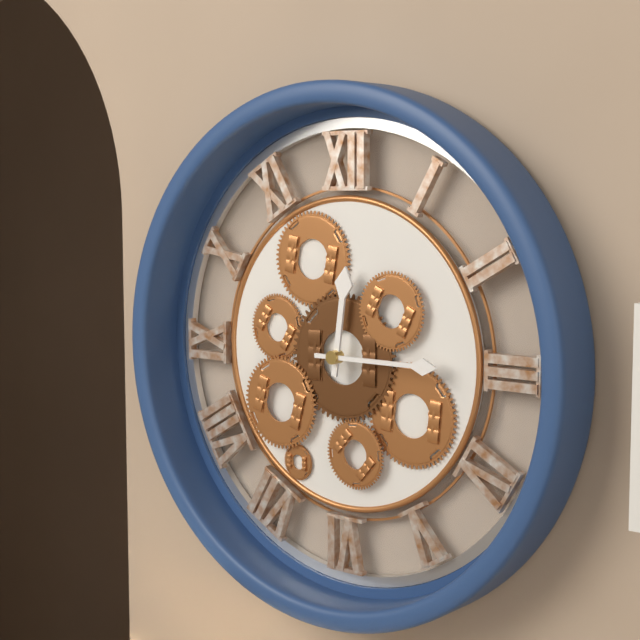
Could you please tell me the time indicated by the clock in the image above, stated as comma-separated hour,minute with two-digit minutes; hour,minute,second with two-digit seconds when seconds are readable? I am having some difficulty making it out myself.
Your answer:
12,15
